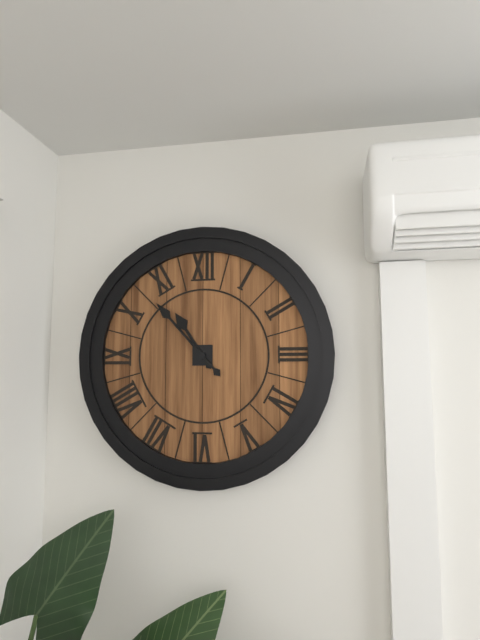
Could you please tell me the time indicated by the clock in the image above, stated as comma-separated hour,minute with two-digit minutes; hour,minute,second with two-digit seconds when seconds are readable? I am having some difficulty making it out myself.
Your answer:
10,53
